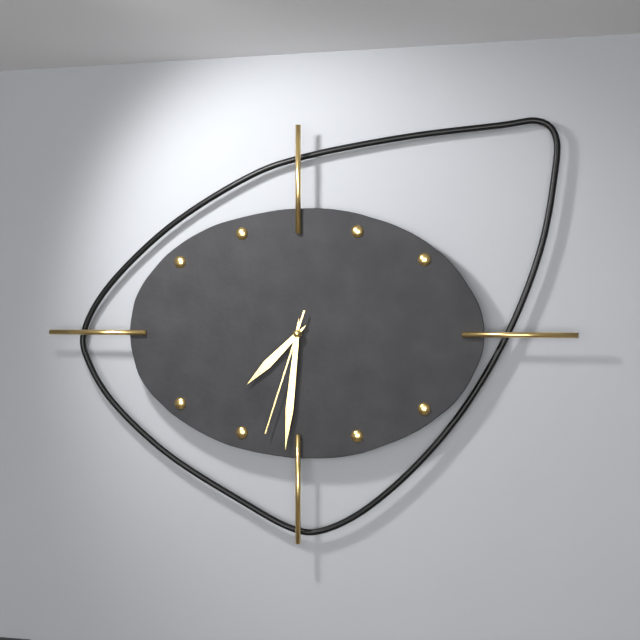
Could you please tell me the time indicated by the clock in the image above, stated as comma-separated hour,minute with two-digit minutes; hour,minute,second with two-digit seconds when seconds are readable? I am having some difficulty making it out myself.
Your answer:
7,31,33
